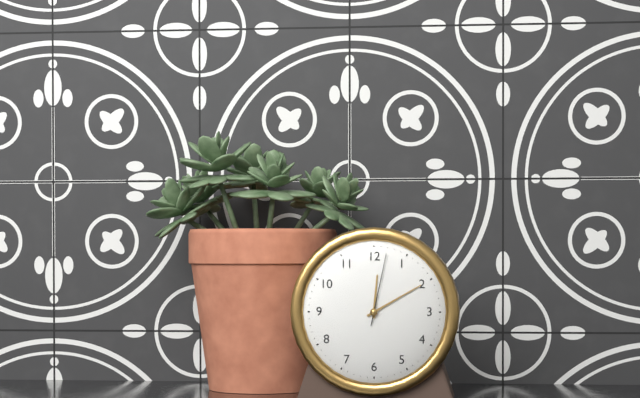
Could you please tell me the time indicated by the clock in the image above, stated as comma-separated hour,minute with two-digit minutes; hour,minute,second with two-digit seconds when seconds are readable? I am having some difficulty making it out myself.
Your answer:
12,10,02
